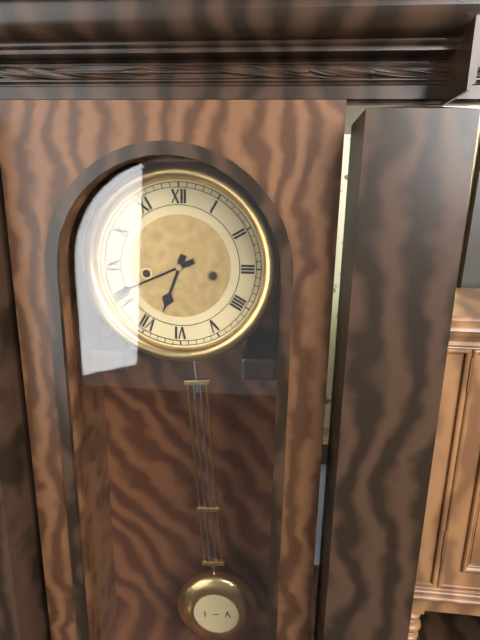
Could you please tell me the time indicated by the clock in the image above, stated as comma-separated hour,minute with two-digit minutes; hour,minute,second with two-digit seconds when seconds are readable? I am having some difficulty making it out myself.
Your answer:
6,41
